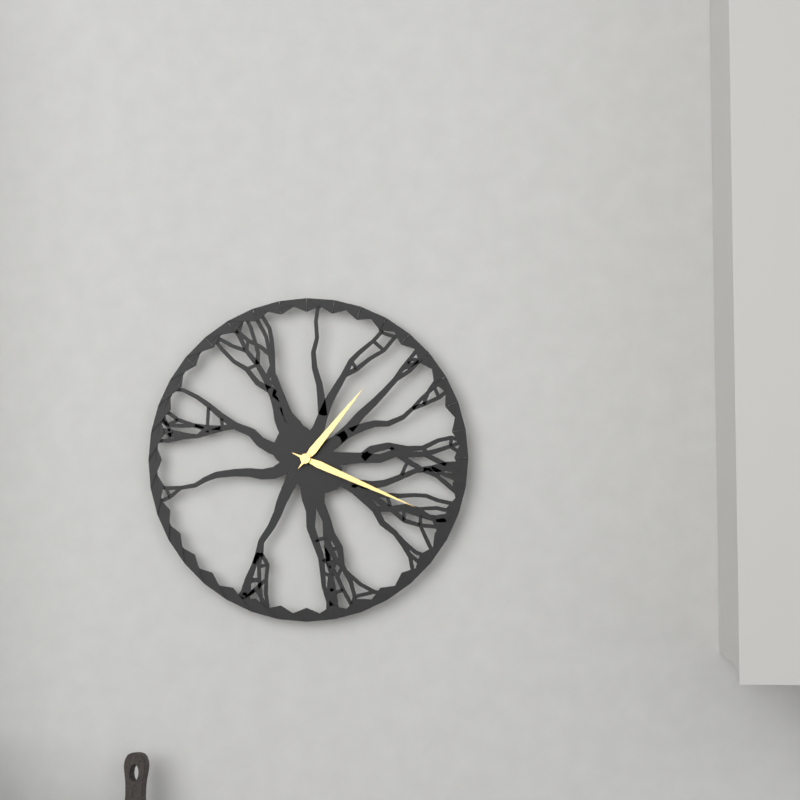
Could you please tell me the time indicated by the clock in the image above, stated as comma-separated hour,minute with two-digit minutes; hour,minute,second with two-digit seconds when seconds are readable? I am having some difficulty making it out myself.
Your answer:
1,19
